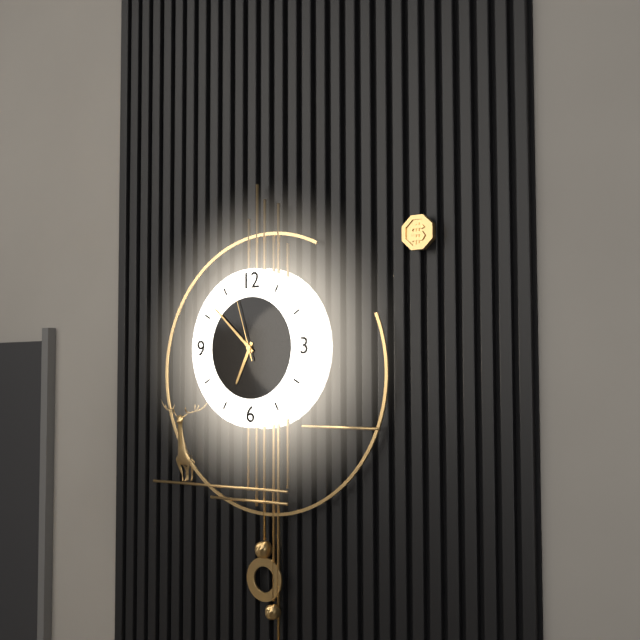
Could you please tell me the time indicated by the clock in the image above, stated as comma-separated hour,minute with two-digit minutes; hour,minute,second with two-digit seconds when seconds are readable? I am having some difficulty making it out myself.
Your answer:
6,52,57
